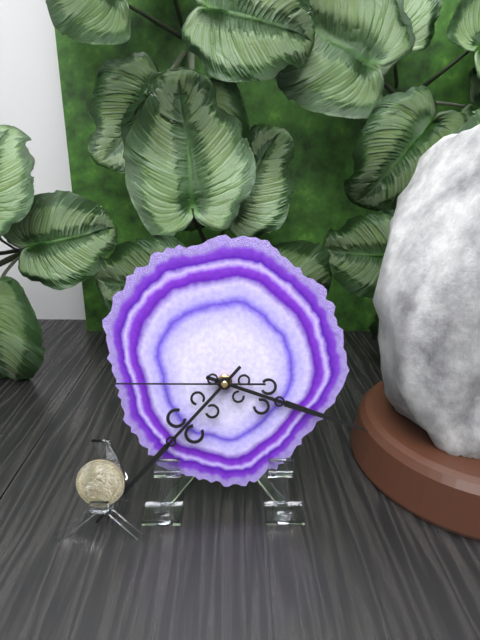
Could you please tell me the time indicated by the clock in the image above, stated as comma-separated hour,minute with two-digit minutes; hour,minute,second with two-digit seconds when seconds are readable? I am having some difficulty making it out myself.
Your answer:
3,37,45
